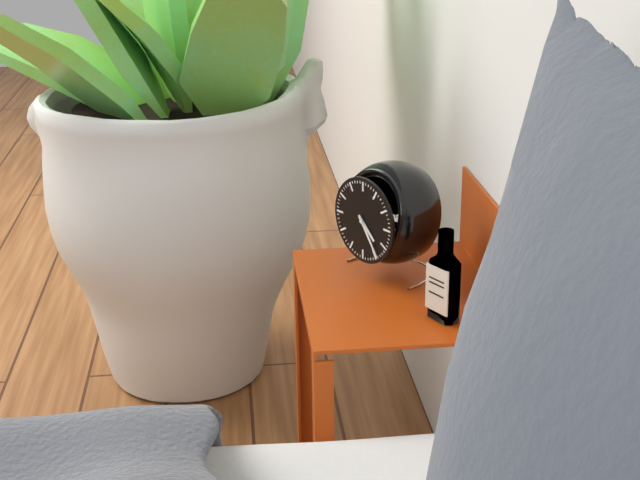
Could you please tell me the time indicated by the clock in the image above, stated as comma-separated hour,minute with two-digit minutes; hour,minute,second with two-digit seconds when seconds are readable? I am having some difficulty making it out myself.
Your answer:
4,24
